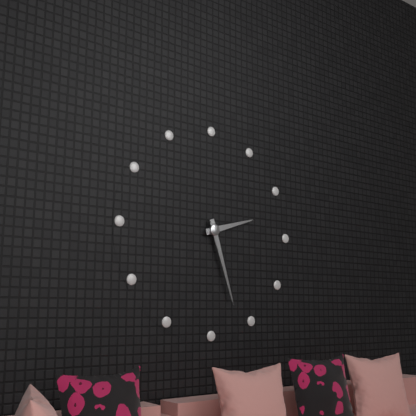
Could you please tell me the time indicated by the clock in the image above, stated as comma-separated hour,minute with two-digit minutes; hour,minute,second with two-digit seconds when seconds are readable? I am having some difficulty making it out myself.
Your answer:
2,27
